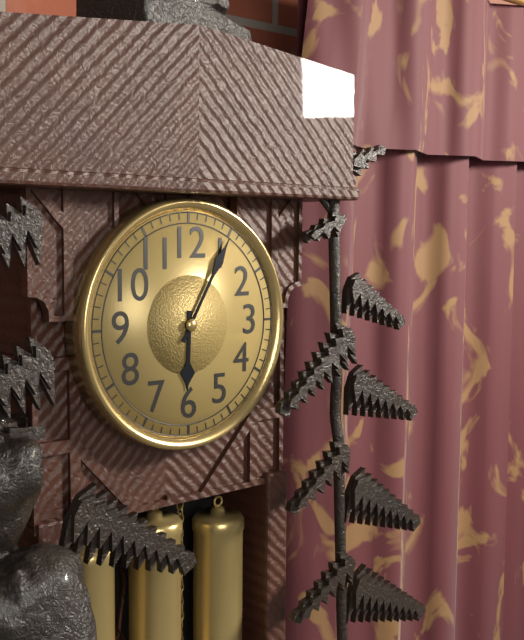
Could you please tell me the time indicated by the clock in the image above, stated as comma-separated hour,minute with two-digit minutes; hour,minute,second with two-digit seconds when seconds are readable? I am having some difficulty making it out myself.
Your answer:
6,05
